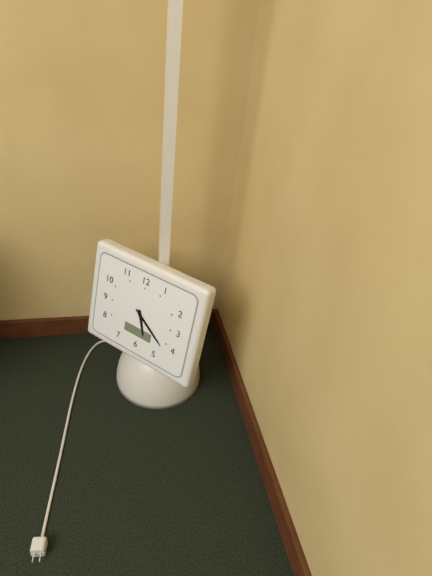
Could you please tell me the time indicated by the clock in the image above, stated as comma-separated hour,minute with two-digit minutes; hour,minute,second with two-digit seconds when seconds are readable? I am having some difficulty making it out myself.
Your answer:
5,21
